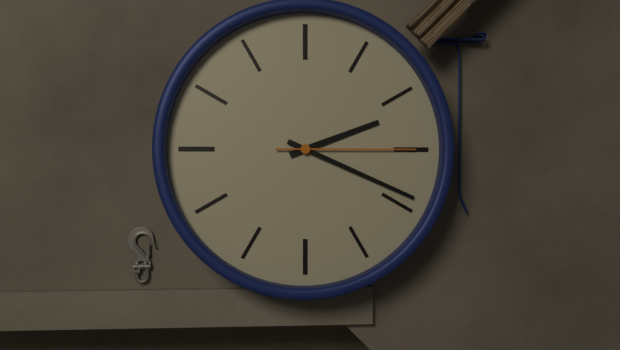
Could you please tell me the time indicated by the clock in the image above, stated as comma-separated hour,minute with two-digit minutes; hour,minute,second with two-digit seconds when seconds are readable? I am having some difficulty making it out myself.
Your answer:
2,19,15
